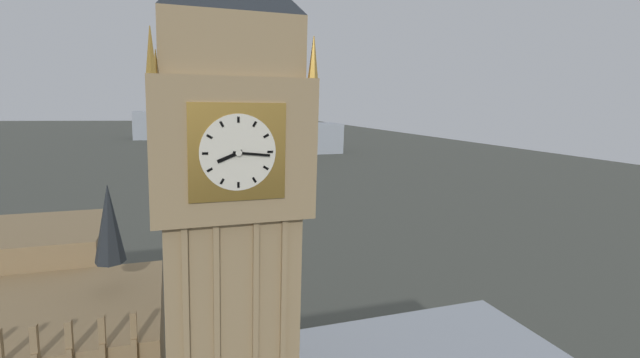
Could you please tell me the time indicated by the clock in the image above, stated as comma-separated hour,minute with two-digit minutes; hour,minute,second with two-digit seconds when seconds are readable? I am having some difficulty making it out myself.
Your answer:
8,16
